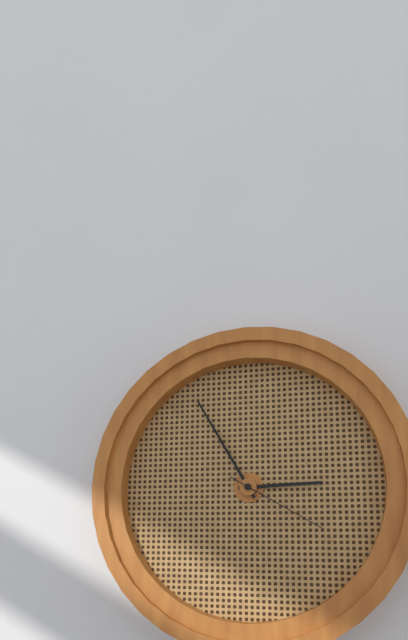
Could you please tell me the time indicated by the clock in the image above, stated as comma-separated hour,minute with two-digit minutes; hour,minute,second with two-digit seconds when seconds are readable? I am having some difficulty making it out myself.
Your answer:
2,55,20
